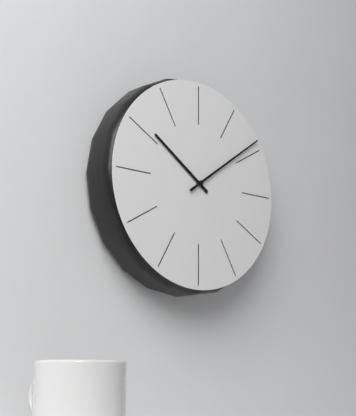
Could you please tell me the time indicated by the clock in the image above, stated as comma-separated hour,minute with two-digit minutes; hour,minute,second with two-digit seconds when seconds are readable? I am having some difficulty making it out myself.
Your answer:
10,09
